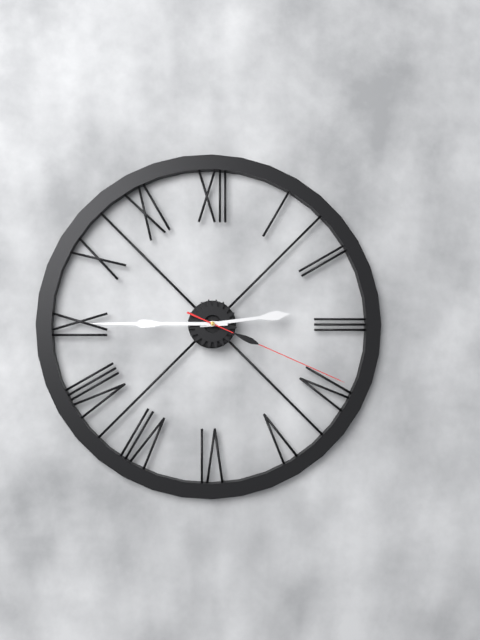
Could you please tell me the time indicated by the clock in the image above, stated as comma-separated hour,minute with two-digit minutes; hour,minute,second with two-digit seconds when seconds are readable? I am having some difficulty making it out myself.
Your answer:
2,45,19
